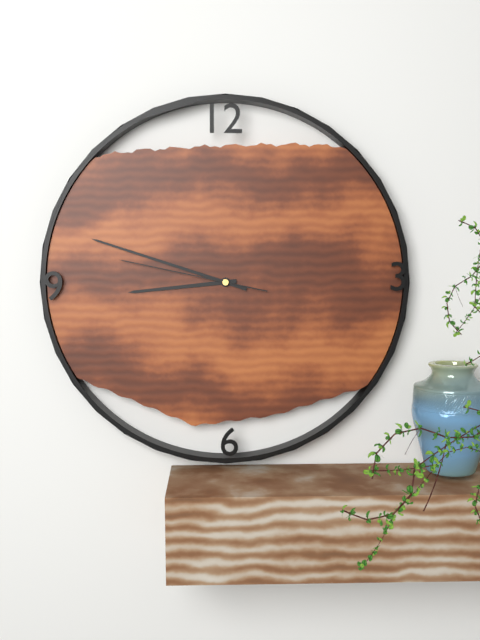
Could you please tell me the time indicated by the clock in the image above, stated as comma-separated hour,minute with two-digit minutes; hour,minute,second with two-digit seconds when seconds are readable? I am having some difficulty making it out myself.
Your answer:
8,48,47
